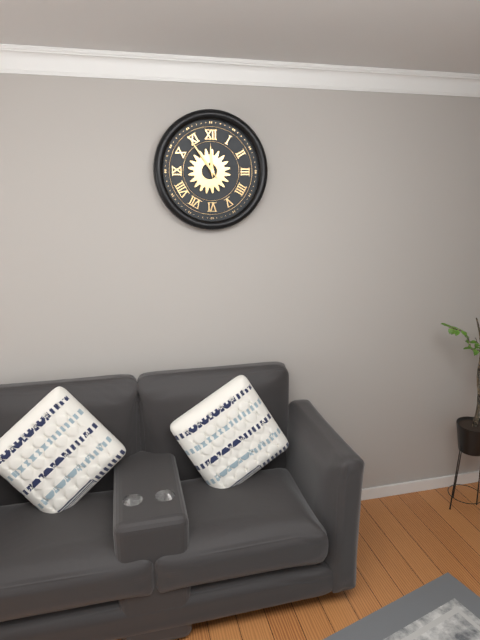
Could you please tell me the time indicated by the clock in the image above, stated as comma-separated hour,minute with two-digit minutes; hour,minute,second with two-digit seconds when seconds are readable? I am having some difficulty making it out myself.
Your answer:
11,54
